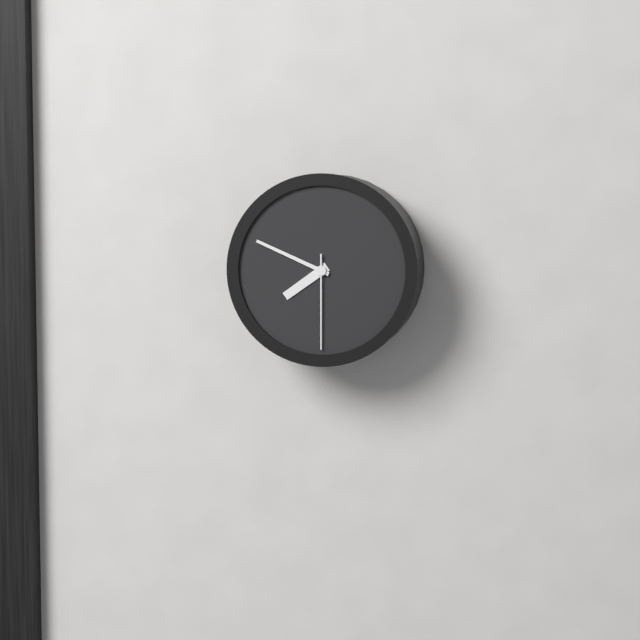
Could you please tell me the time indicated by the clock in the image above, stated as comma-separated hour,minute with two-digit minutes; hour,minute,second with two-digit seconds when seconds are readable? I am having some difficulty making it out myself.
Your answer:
7,49,30
